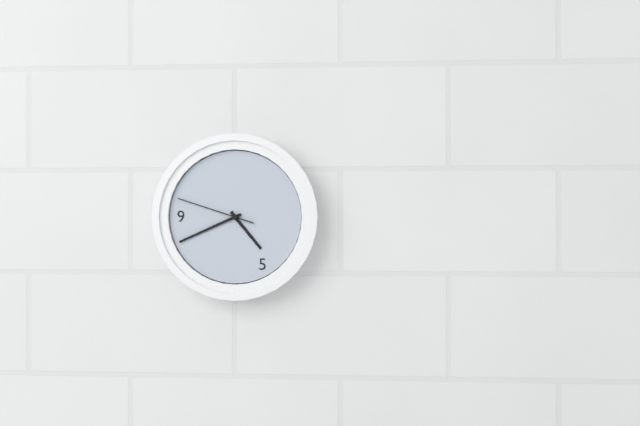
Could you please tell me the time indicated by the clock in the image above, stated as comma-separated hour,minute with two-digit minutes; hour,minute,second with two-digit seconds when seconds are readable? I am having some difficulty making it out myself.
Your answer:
4,41,48
